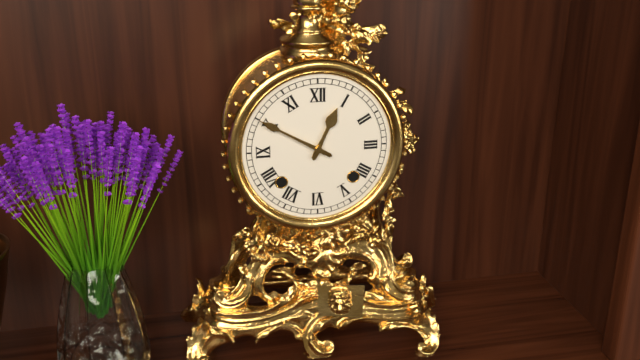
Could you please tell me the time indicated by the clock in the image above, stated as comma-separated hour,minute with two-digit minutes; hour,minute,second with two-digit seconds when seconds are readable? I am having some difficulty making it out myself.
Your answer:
12,50
